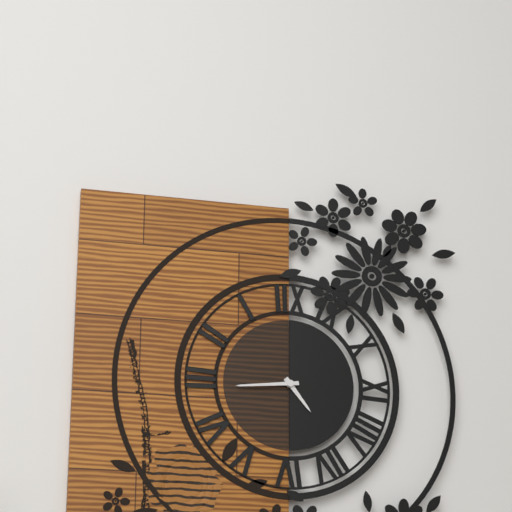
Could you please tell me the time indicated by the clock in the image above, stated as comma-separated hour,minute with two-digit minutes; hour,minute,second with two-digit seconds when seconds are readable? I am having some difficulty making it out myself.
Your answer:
4,44
